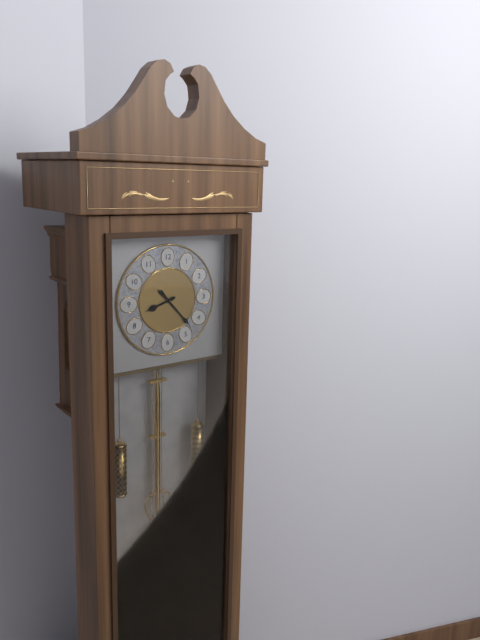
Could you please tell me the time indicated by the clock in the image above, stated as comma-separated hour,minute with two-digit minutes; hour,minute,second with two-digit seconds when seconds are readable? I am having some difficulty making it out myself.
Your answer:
8,23
